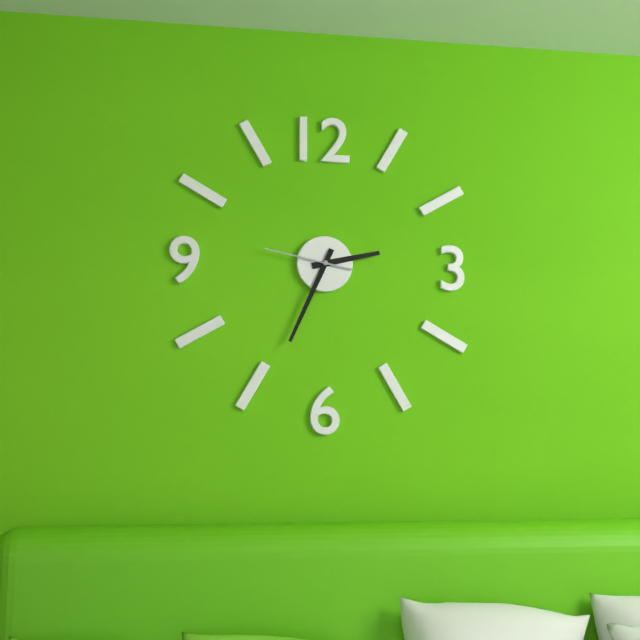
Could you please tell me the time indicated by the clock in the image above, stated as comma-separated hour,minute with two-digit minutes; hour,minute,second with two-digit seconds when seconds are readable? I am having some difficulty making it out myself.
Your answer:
2,34,47
